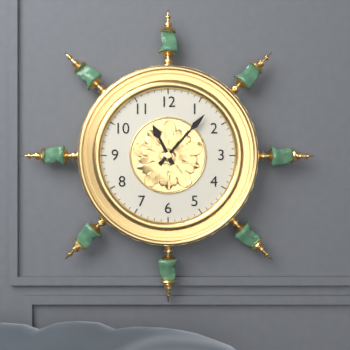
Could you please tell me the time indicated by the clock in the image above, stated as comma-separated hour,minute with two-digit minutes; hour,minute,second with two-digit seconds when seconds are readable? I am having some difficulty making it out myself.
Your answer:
11,07
